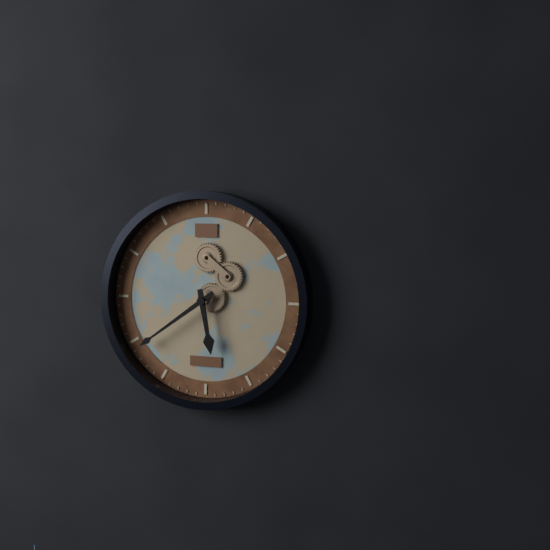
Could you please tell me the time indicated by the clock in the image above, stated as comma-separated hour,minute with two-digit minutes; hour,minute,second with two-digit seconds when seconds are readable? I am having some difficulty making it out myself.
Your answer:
5,39
